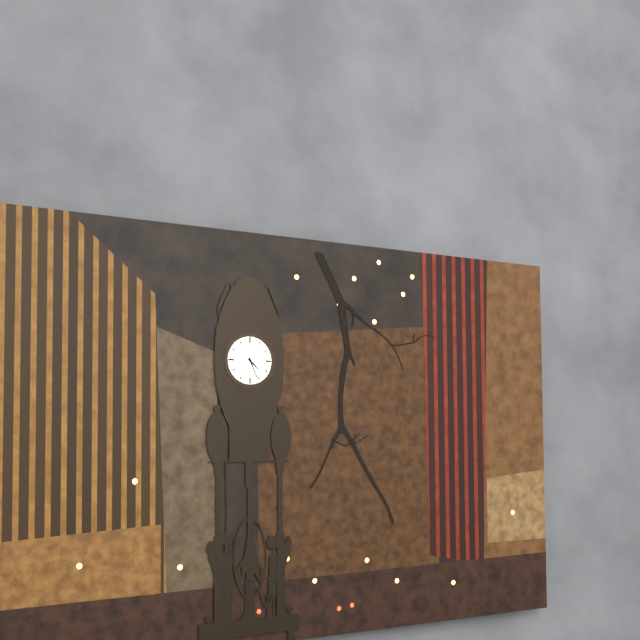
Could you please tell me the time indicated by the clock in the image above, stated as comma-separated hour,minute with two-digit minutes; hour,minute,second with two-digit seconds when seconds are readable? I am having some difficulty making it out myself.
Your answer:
4,26
